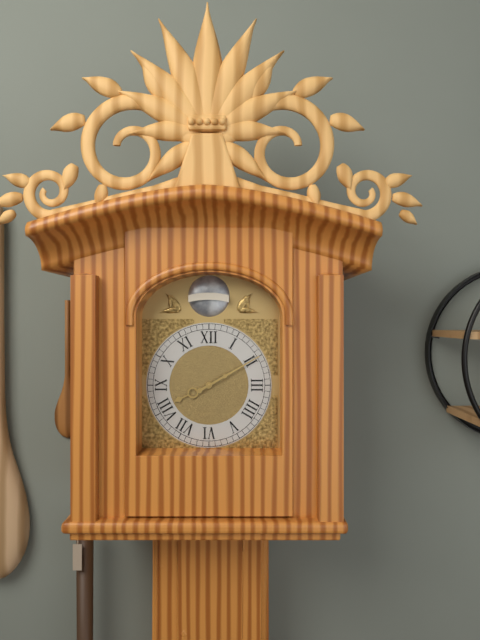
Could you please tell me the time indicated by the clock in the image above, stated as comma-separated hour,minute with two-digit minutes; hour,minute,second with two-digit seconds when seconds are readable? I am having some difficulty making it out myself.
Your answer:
8,10
